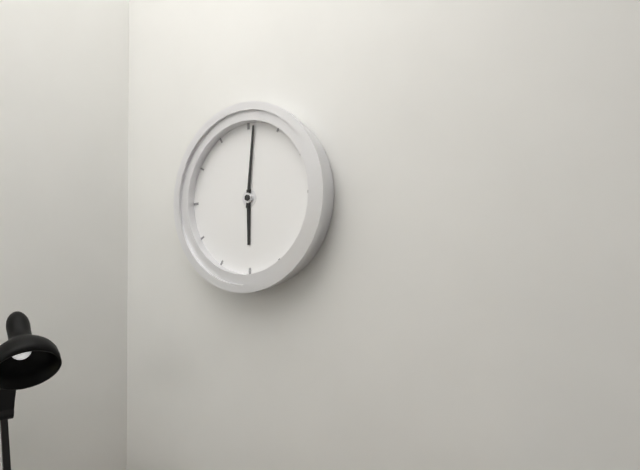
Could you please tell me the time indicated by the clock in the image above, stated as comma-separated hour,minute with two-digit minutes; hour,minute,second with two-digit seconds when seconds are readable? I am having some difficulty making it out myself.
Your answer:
6,01
